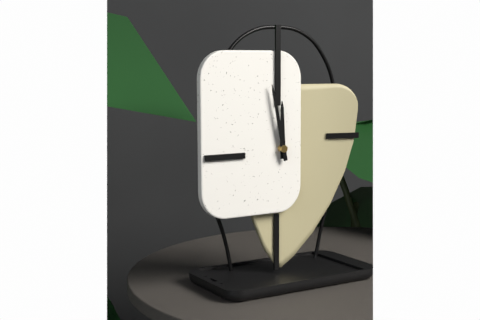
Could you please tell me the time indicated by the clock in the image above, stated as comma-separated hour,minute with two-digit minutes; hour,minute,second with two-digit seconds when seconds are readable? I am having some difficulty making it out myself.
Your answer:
11,58
